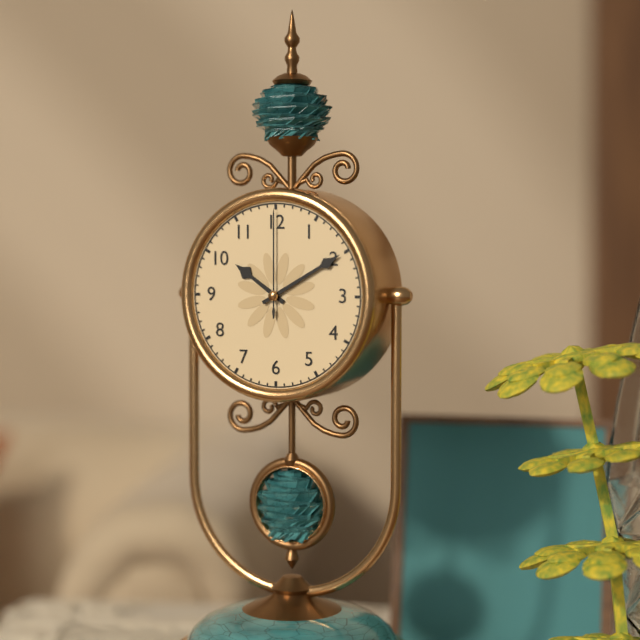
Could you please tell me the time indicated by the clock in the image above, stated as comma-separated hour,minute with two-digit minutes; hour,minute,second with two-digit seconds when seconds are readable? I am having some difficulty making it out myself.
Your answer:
10,10,00
